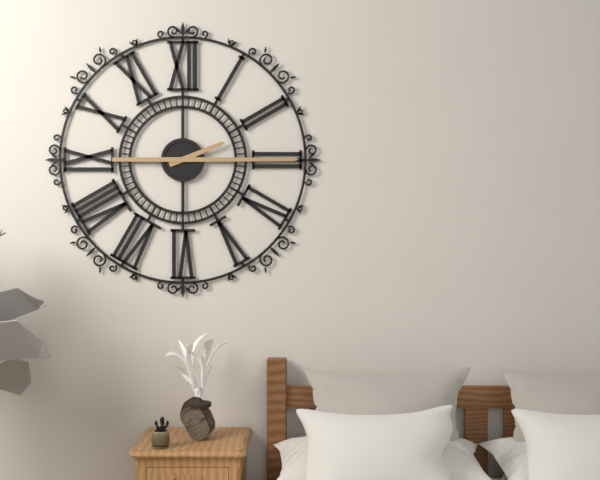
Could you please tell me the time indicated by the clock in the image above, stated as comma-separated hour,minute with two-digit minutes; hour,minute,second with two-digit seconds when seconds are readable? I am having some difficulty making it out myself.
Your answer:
2,15
